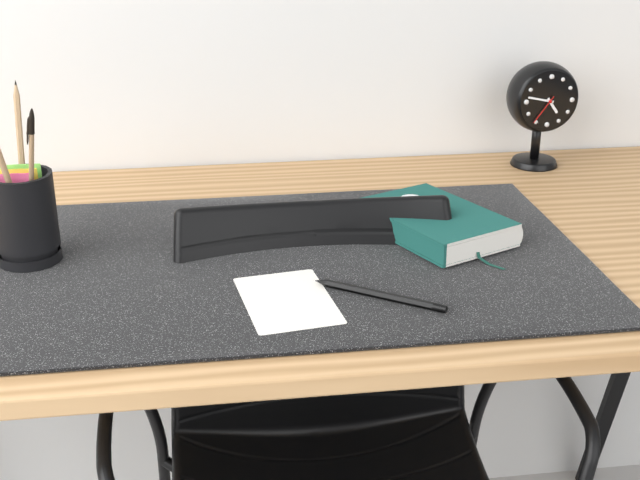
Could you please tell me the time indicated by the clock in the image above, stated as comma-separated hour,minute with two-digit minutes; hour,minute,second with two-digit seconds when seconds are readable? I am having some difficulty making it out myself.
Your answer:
4,47
